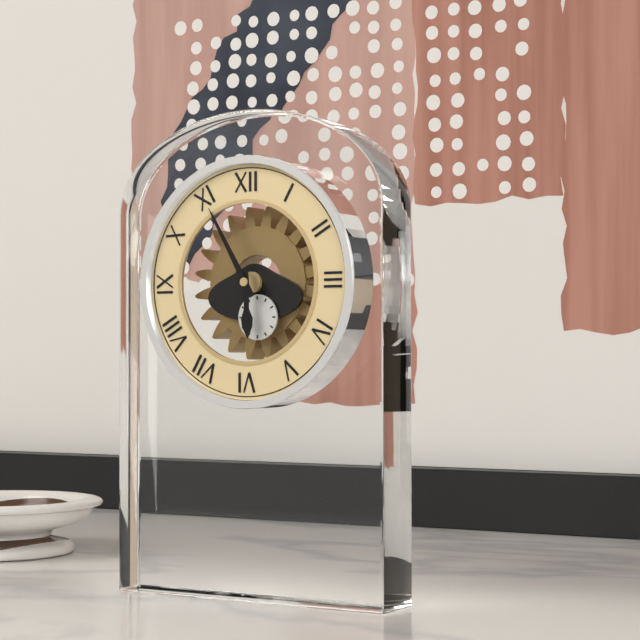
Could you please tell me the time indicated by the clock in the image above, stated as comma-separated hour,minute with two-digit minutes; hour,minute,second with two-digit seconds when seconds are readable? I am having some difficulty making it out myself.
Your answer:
5,55
